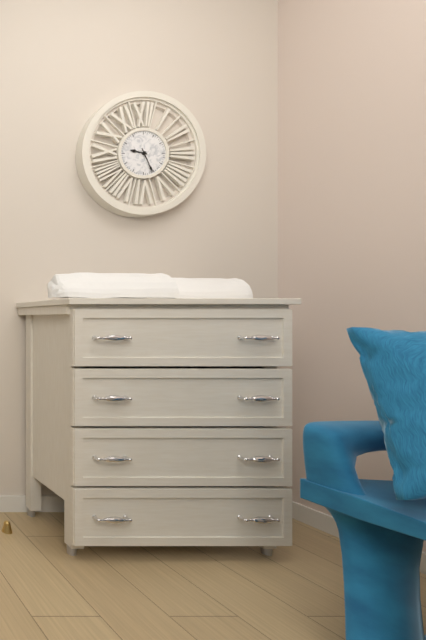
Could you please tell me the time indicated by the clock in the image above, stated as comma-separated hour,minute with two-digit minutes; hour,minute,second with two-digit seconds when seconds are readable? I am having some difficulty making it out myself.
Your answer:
9,26
